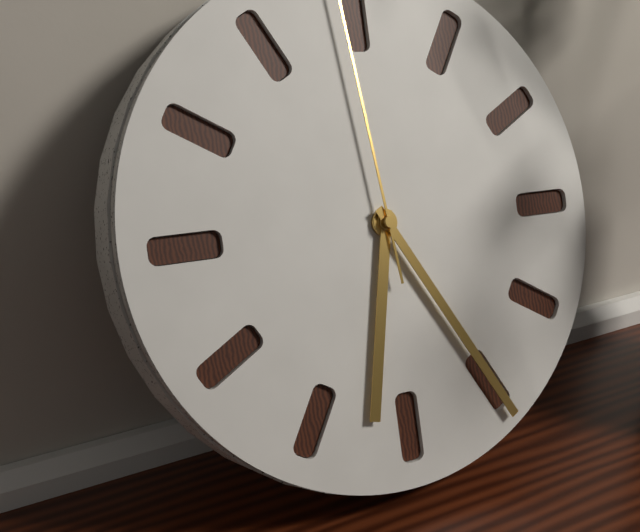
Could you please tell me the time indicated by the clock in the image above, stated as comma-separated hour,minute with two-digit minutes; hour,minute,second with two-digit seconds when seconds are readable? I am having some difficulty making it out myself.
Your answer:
6,25
